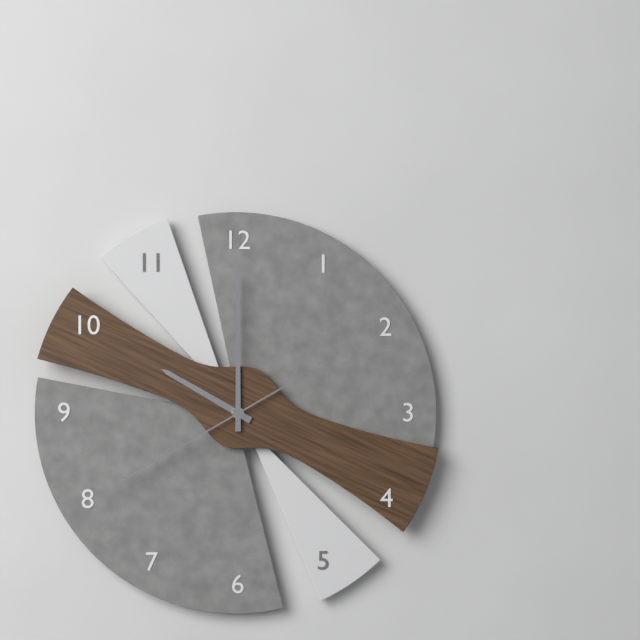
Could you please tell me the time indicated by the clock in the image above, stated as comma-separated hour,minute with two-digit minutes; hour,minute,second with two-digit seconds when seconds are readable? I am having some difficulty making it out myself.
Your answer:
10,00,40
